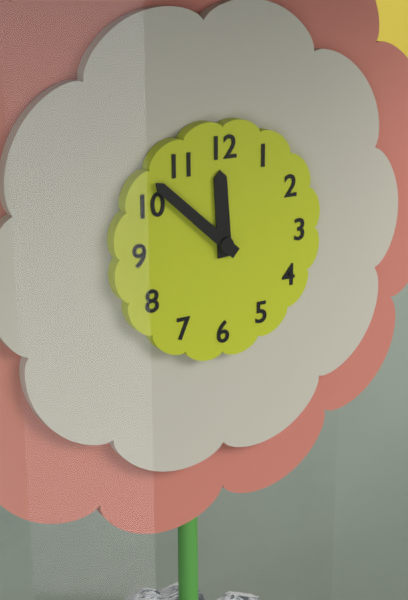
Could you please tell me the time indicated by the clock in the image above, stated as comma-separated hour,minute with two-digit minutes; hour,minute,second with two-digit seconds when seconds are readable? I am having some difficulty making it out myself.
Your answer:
11,52
